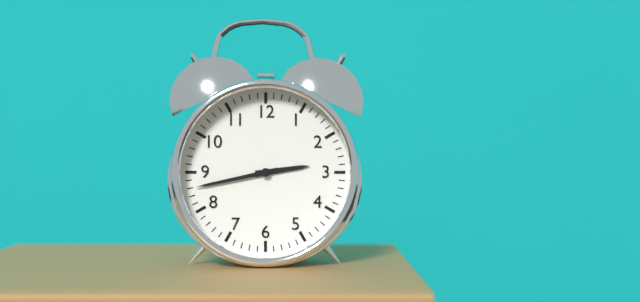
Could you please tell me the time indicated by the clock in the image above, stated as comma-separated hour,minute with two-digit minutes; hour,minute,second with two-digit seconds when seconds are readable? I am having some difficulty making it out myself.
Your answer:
2,43
